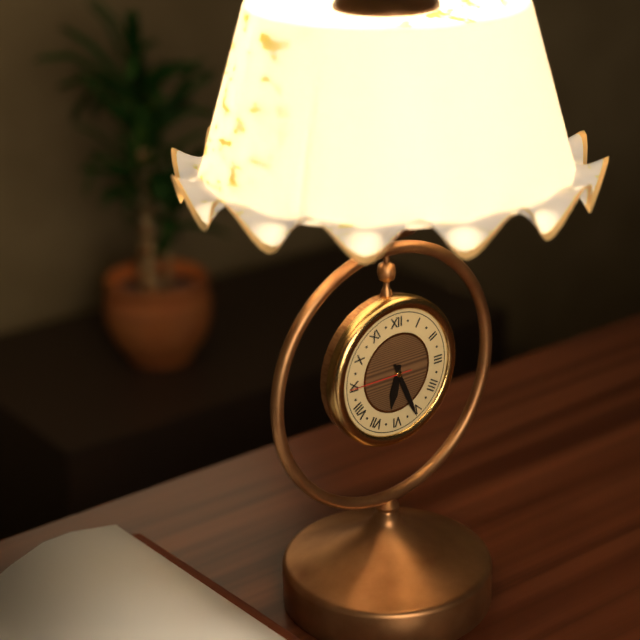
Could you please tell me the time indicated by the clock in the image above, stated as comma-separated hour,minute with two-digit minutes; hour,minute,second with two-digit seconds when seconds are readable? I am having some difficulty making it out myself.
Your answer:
6,26,45
